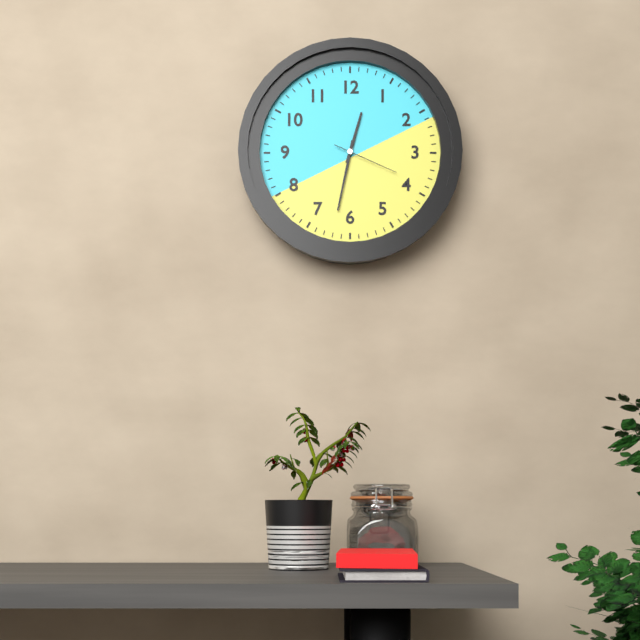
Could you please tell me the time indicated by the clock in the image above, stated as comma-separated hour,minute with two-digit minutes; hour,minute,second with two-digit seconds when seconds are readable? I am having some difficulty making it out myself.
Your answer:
12,32,19
